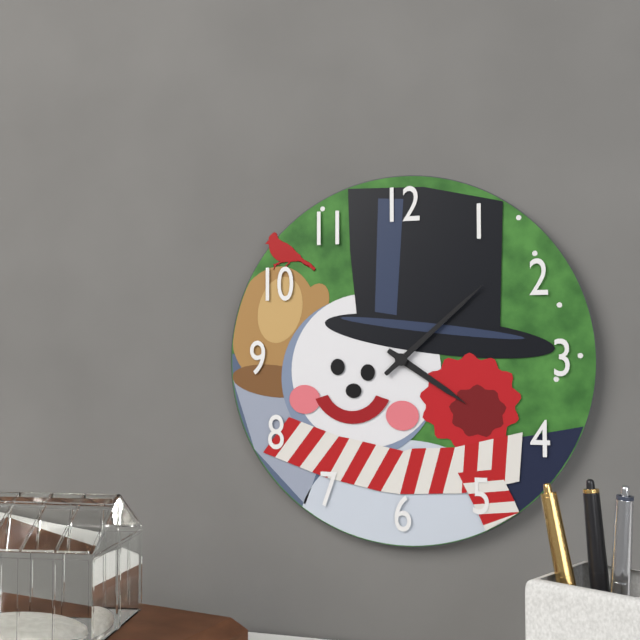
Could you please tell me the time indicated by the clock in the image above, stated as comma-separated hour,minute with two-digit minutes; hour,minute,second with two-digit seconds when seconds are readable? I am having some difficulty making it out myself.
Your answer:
4,08
